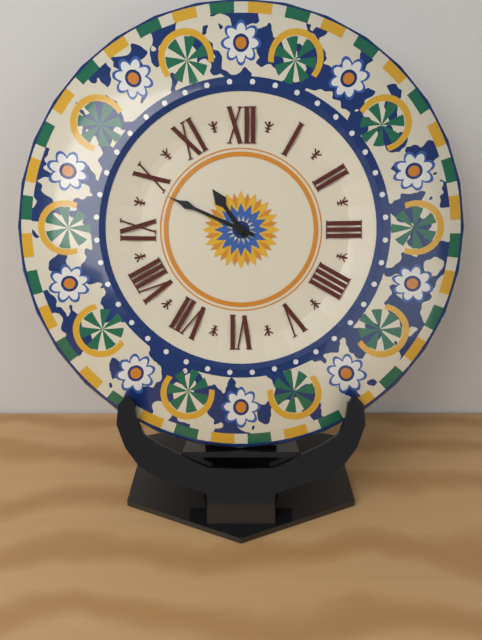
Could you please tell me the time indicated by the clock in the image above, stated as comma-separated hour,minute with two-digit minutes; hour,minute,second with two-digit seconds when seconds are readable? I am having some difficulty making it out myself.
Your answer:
10,49
